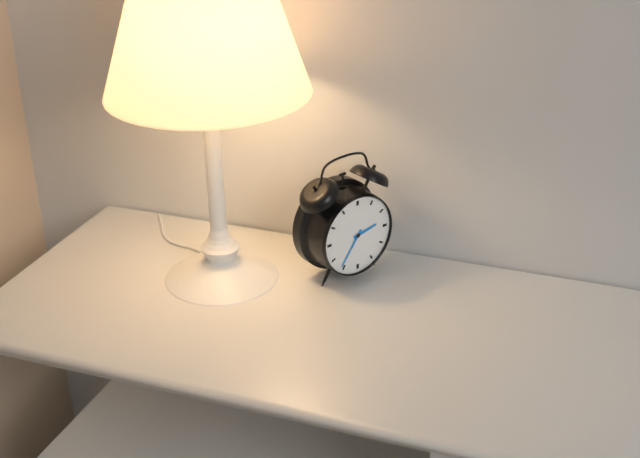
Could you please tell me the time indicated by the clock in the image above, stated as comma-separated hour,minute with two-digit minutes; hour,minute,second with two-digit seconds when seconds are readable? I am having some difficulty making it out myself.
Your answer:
2,36
